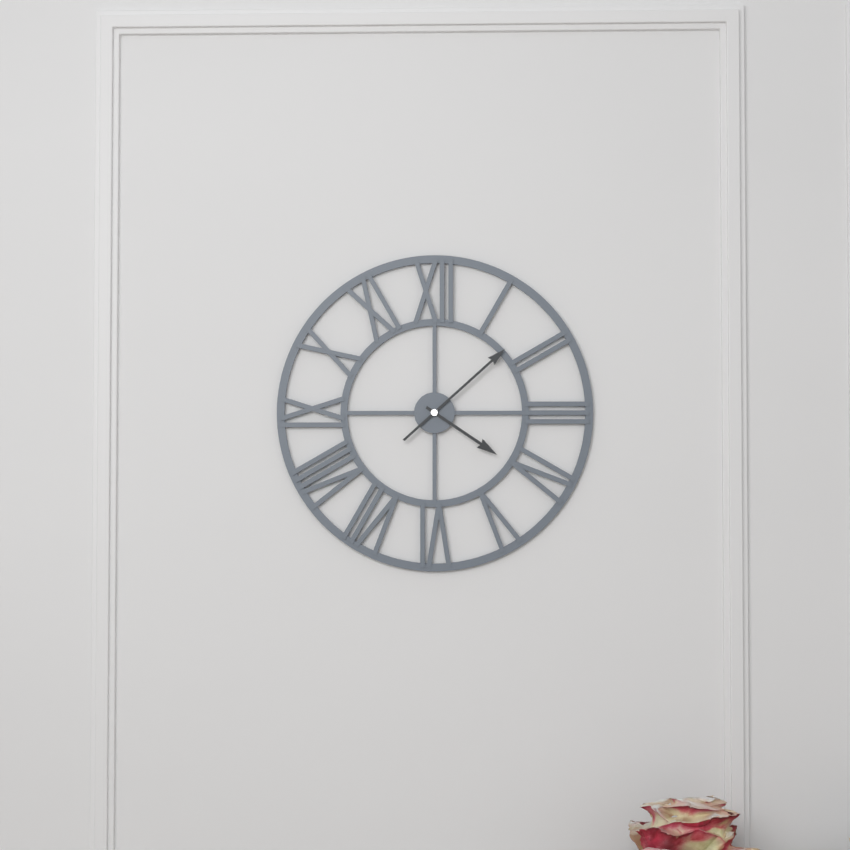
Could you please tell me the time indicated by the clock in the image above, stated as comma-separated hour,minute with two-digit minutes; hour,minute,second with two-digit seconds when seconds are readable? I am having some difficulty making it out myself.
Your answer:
4,08
